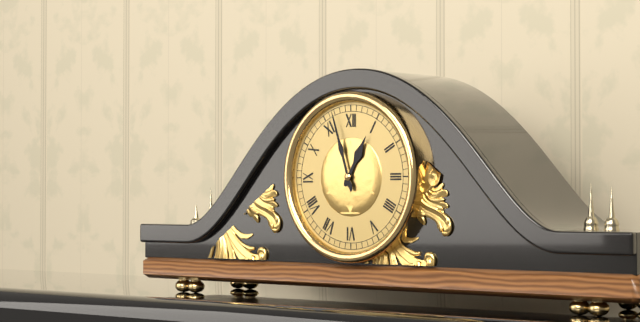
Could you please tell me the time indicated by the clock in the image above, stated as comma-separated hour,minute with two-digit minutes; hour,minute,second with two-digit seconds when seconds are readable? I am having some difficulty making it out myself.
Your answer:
12,57
